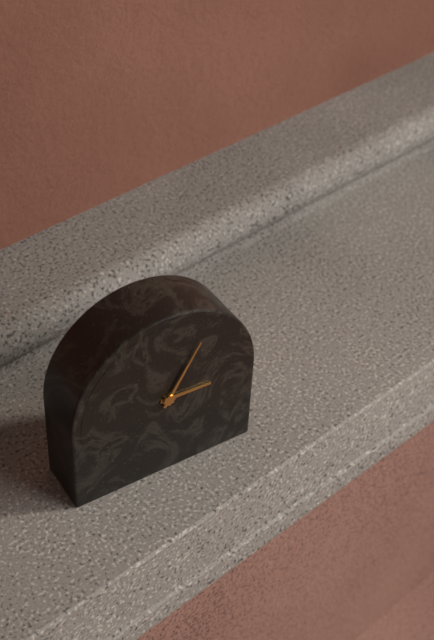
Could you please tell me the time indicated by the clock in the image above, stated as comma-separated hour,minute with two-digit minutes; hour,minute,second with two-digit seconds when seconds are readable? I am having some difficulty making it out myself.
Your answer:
3,05
